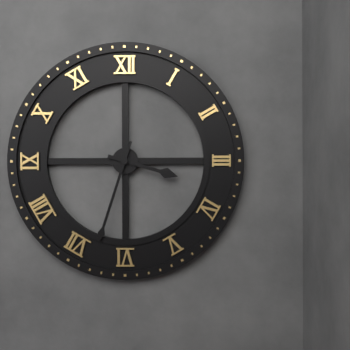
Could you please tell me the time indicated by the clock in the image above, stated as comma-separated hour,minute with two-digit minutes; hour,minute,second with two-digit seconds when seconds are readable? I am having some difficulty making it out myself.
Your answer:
3,33
